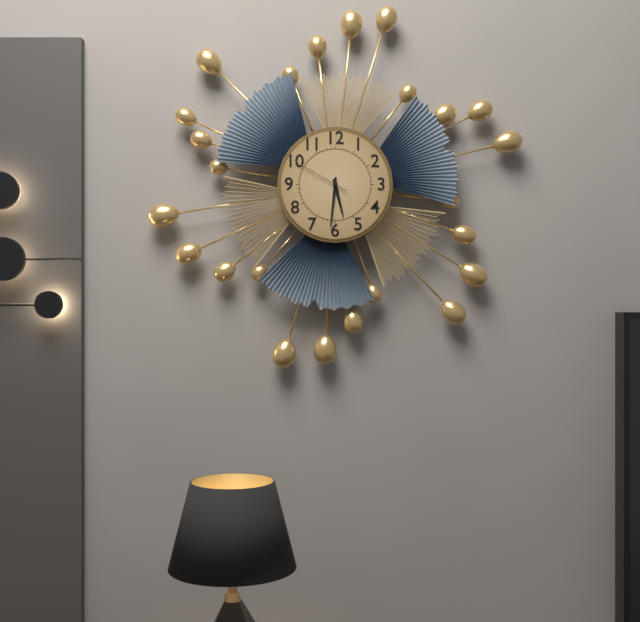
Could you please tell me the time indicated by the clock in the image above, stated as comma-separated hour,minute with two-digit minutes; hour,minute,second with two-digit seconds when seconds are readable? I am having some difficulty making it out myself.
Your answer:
5,31,50
